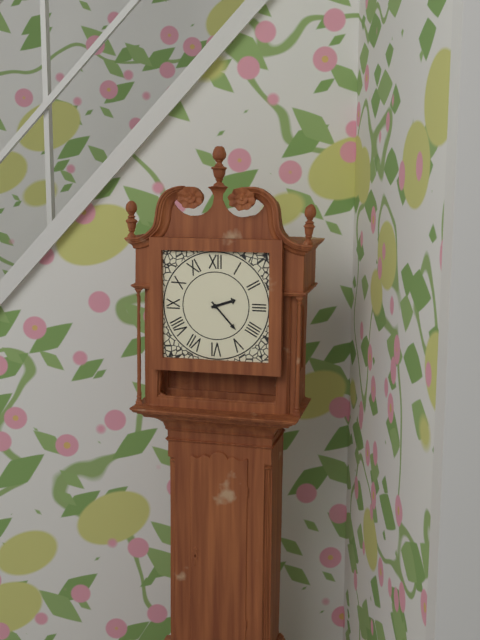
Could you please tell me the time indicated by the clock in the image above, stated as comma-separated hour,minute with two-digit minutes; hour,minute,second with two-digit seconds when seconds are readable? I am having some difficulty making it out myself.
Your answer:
2,23
